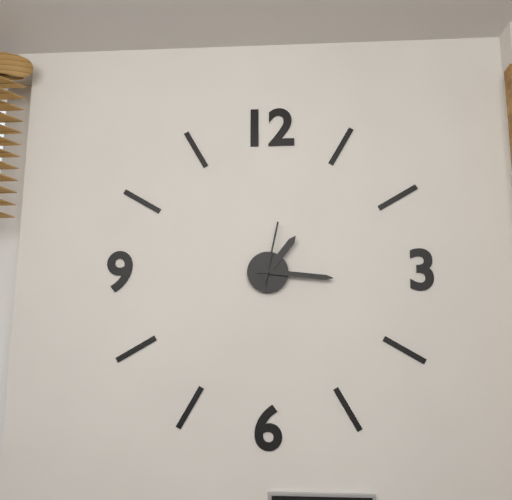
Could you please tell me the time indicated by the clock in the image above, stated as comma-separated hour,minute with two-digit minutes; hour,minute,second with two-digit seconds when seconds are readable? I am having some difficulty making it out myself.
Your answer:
1,16,02
